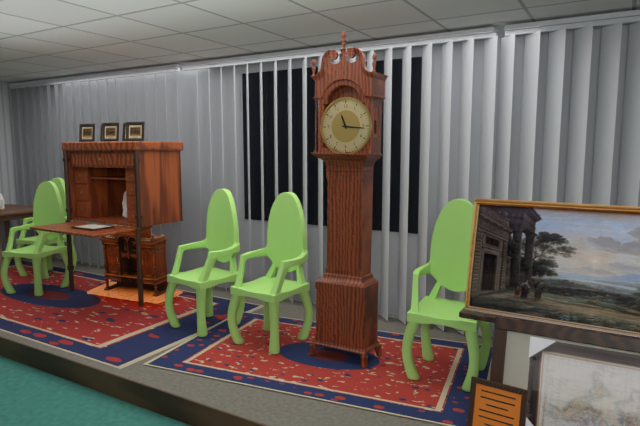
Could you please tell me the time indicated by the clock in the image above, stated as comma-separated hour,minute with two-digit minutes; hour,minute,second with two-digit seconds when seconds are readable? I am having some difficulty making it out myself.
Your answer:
11,16
